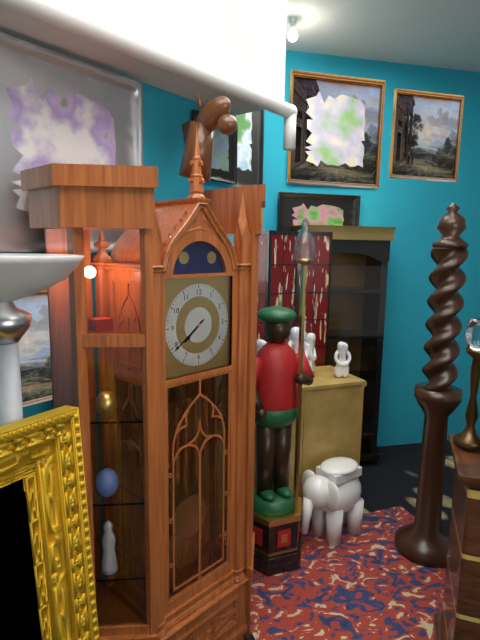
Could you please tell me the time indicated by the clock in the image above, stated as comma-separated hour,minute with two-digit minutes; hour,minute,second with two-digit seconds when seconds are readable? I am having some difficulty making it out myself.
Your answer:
7,39
